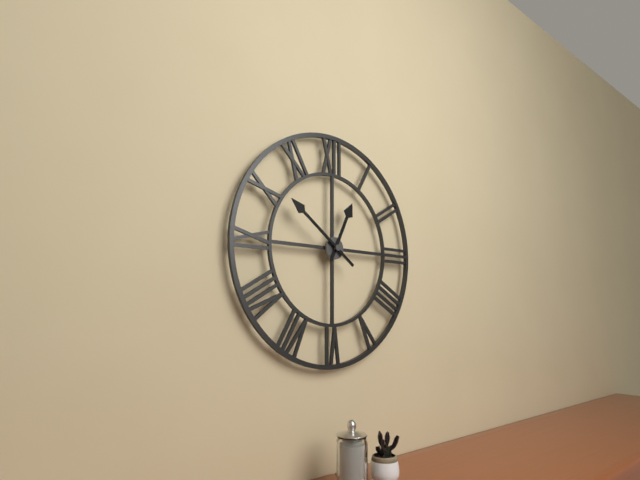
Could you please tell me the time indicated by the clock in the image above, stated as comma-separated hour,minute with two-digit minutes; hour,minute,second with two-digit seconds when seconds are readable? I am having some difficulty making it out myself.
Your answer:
12,51
